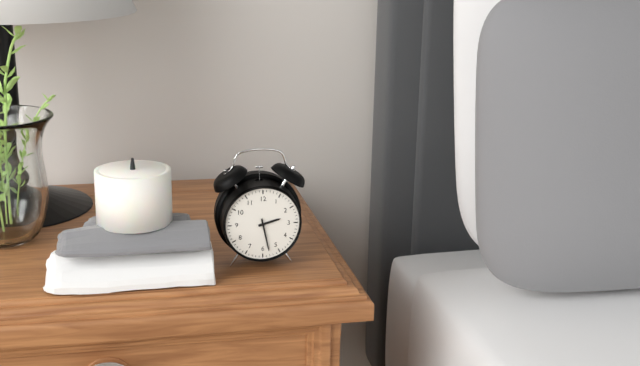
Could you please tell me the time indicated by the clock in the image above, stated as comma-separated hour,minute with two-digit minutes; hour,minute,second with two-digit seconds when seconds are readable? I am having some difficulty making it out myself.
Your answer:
2,28
